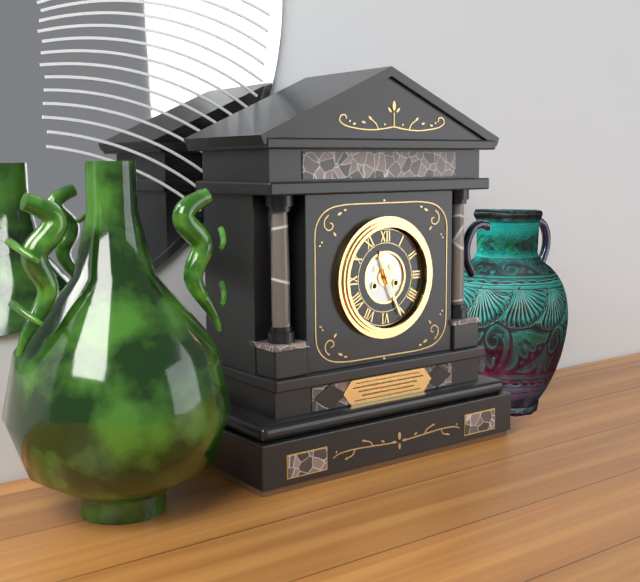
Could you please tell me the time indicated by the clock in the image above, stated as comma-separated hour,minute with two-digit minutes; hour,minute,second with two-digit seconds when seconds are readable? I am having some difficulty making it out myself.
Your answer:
11,26
